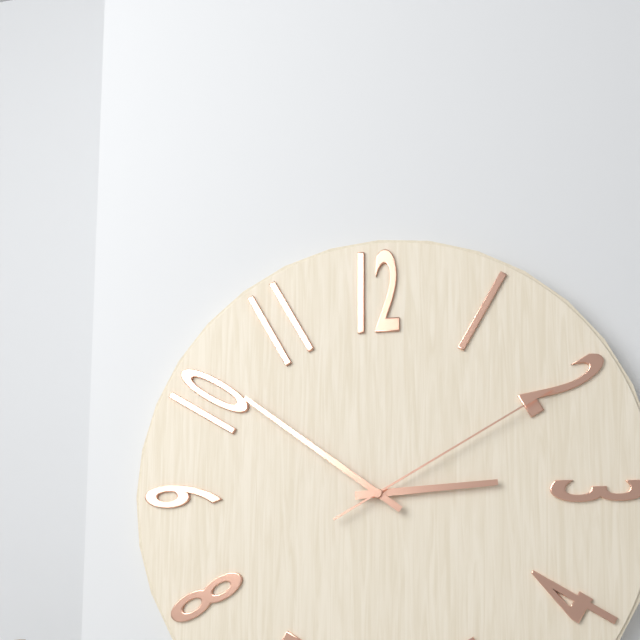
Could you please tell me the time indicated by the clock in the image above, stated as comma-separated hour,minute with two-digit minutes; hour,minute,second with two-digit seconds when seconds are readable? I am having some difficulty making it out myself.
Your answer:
2,51,10
